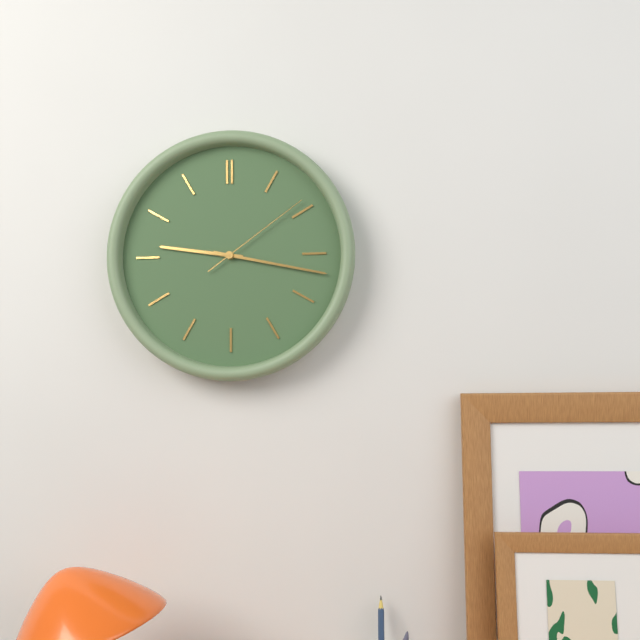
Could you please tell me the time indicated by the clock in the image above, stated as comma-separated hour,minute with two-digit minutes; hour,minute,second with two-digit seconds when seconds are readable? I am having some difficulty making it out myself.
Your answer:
9,17,09
